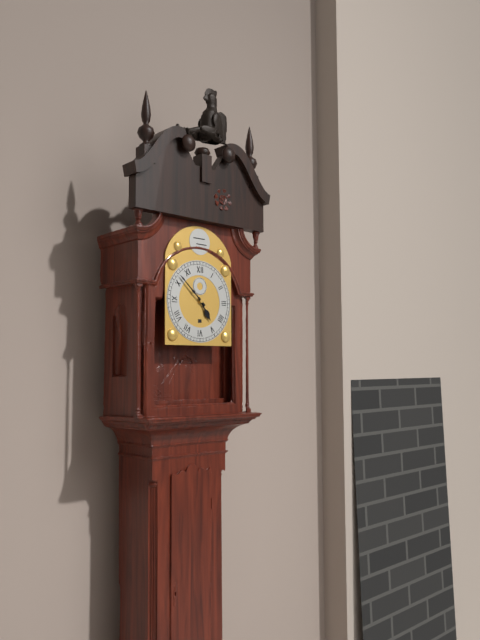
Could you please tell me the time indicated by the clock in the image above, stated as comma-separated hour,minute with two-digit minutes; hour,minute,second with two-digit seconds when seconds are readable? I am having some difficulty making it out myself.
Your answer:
4,52
